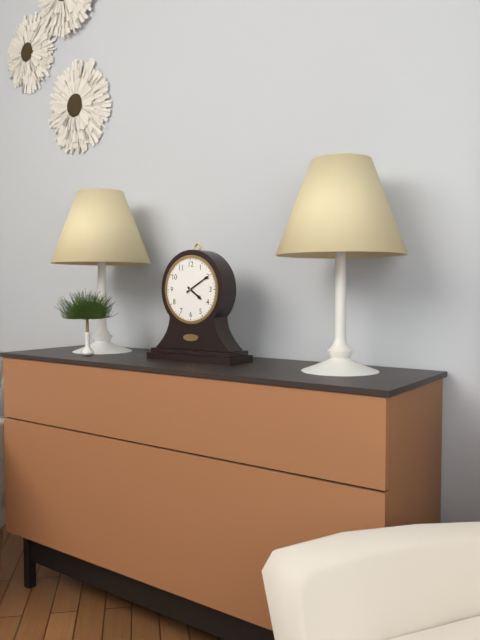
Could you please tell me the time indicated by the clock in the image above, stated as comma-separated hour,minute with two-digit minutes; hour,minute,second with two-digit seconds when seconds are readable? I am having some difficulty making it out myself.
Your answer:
4,10
